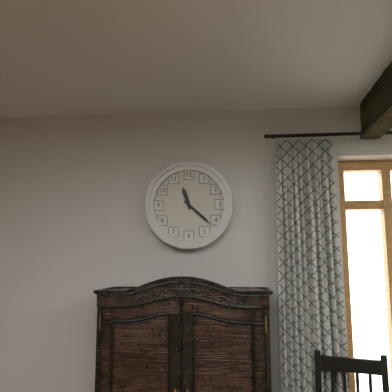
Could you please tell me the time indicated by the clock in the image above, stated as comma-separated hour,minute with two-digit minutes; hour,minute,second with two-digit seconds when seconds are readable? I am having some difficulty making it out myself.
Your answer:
11,22
